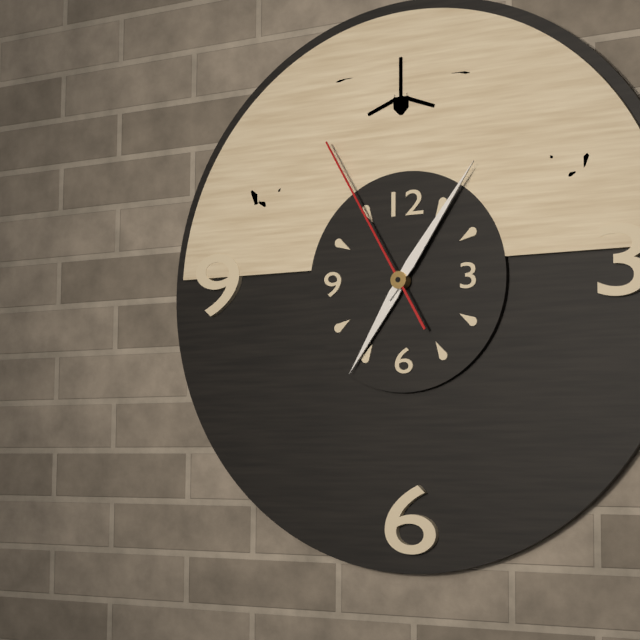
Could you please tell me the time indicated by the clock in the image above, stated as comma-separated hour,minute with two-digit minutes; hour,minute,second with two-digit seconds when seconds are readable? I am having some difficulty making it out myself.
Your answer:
7,06,55
